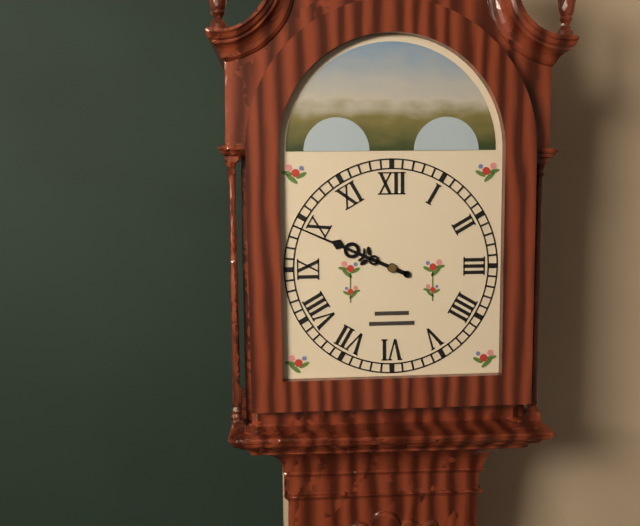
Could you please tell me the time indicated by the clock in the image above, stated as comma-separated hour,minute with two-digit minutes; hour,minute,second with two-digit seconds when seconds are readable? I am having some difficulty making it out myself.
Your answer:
9,49
